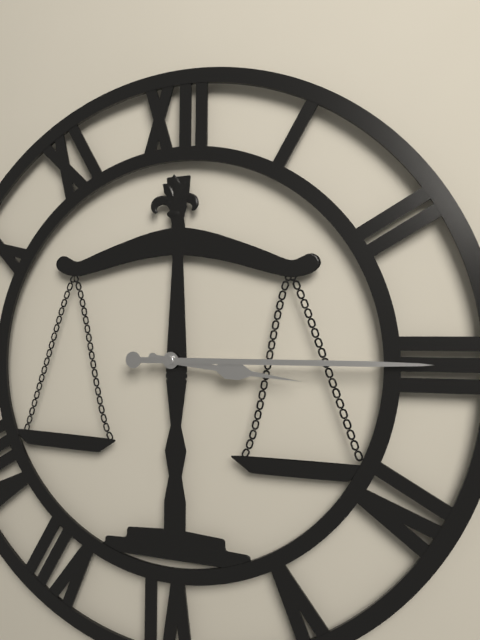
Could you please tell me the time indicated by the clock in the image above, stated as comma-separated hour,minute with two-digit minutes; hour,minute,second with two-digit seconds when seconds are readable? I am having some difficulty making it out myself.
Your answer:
3,15
